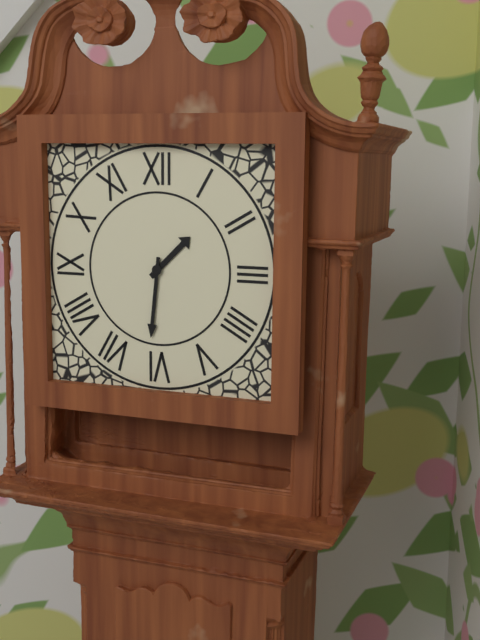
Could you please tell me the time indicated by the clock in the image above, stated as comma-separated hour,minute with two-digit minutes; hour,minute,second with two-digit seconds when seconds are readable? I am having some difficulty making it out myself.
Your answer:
1,31
